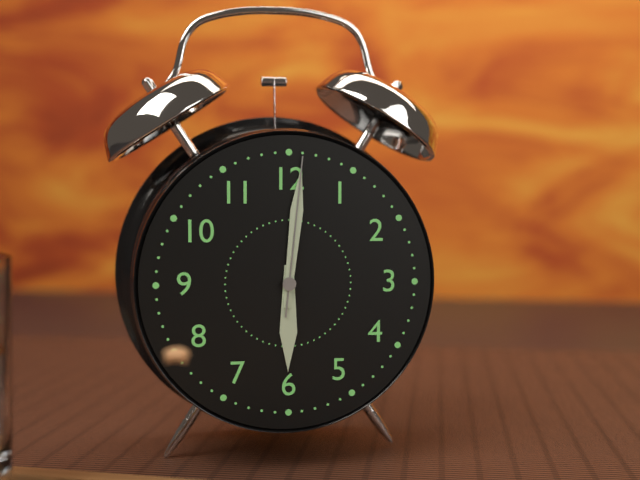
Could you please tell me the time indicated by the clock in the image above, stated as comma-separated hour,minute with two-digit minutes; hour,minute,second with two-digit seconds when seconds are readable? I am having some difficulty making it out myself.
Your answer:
6,01,01
